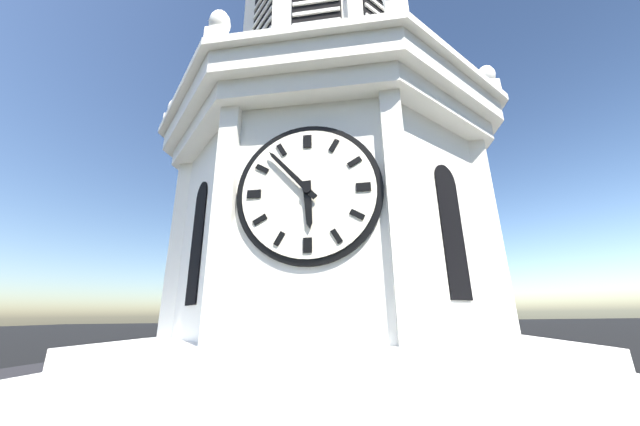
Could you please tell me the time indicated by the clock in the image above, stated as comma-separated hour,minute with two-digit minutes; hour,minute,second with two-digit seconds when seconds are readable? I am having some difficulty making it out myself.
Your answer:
5,53
